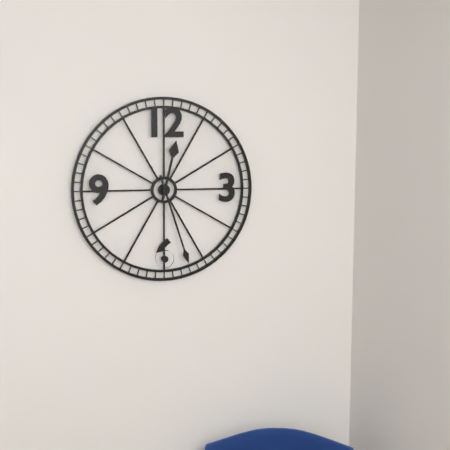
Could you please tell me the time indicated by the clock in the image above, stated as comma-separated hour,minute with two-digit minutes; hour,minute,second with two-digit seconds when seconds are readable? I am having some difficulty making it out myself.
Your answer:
12,27
